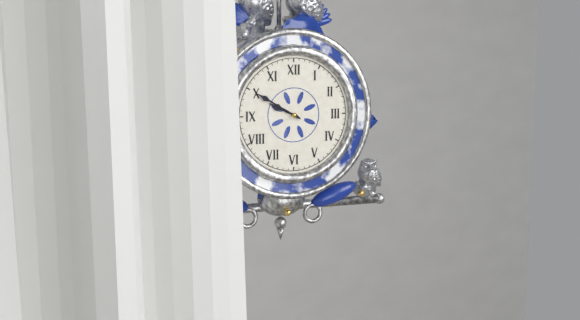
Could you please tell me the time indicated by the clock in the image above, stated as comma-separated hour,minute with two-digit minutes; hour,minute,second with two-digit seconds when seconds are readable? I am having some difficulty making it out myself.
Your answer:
9,50
